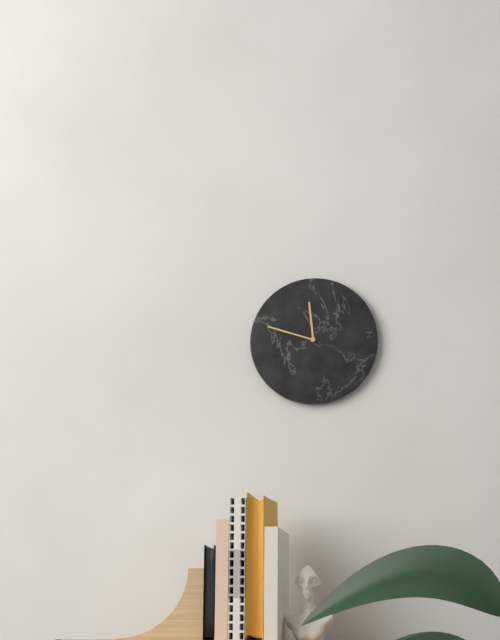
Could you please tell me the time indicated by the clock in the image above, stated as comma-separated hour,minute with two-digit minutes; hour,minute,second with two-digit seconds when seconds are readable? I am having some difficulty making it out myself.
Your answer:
11,48
